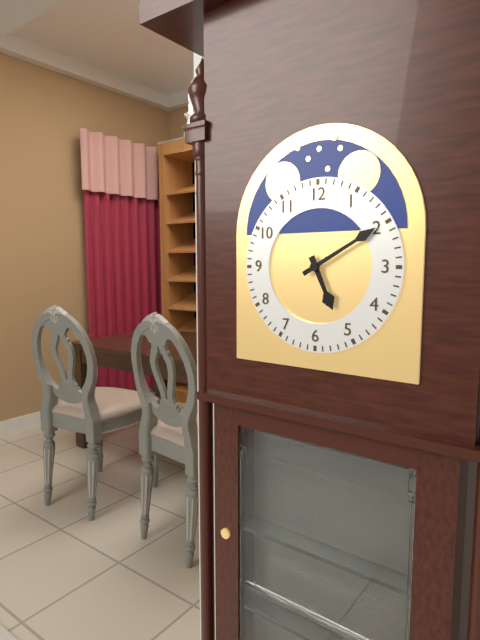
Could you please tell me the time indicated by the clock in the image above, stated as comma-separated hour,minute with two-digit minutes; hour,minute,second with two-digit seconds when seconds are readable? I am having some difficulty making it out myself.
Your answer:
5,10
